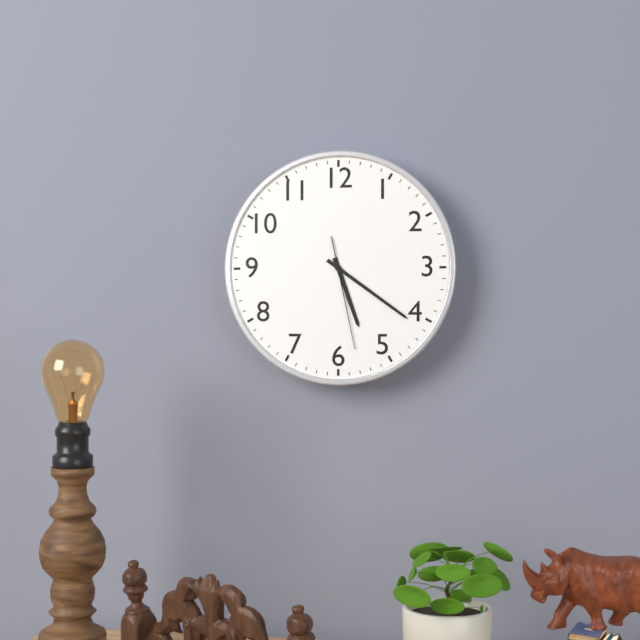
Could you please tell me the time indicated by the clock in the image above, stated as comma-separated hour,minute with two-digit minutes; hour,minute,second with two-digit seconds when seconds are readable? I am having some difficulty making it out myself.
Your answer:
5,21,28
